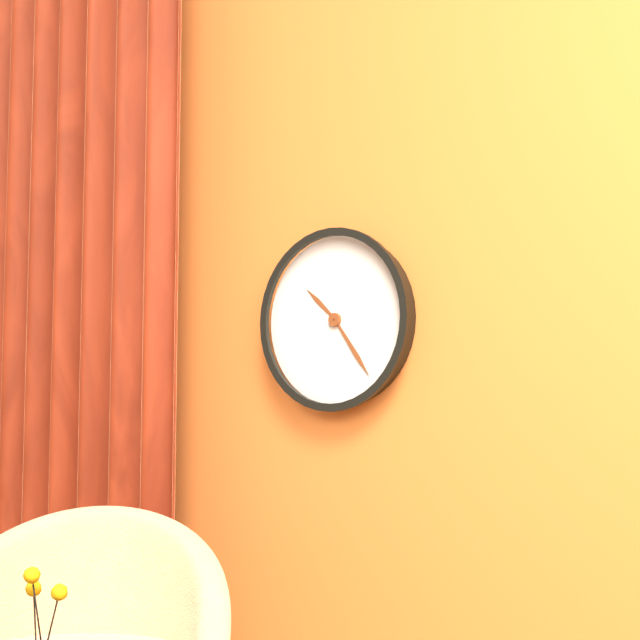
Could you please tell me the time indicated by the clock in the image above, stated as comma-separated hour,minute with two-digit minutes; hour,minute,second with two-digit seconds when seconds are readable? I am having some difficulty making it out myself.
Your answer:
10,24
